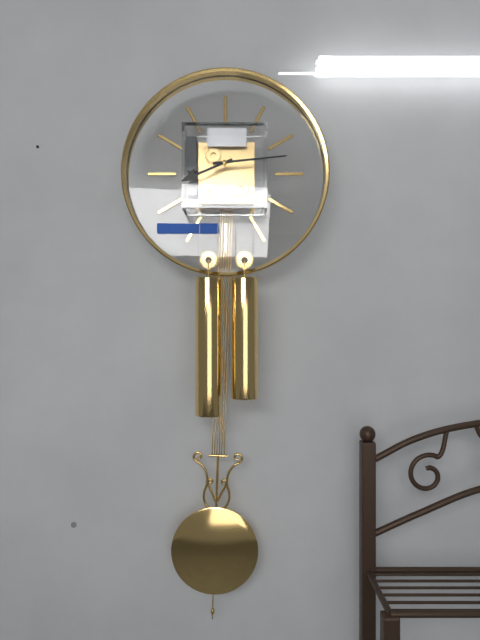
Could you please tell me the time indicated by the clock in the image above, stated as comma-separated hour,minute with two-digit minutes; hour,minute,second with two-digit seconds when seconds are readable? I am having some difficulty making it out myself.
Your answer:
8,14
